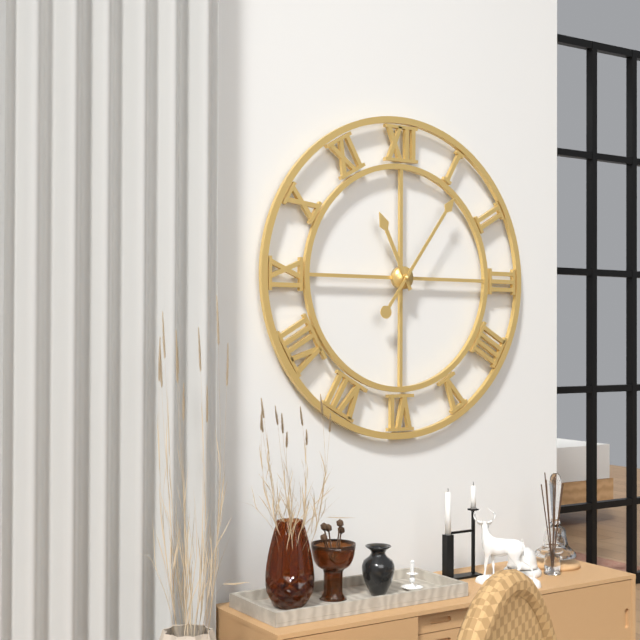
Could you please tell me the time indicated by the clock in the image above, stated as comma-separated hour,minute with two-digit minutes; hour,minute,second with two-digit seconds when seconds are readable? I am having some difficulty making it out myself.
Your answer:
11,06
